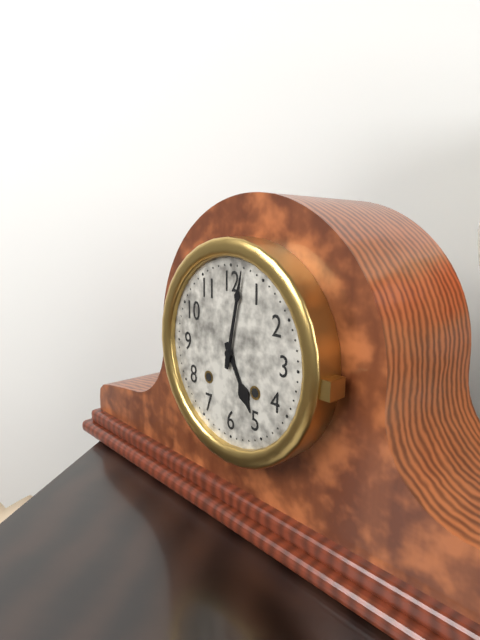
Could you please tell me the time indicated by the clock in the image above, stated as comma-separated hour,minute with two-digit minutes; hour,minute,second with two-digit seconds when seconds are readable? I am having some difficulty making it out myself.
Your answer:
5,02
